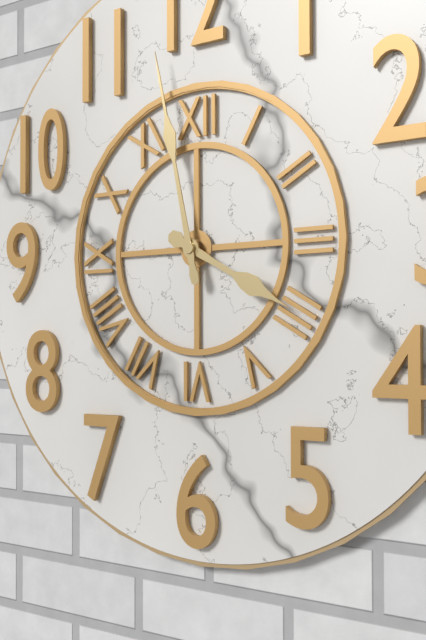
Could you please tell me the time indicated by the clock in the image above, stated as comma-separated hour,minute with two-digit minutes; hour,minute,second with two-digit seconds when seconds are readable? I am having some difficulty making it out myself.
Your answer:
3,58
